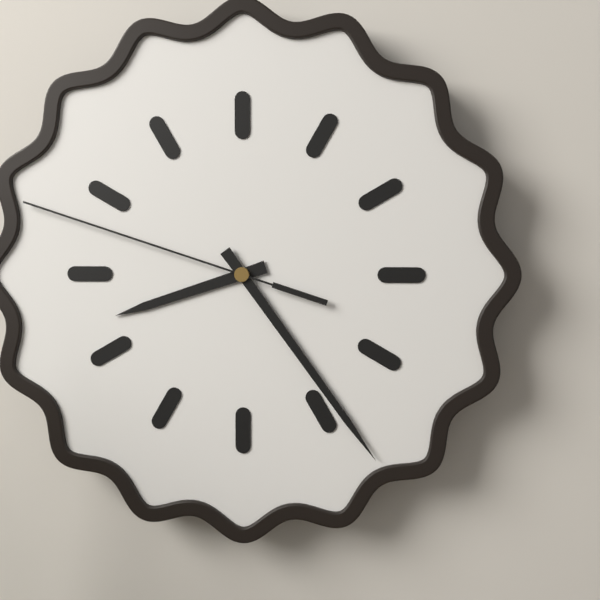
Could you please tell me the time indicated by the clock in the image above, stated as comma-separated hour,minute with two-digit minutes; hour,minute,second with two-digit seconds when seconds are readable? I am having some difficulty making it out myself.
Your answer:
8,24,48
